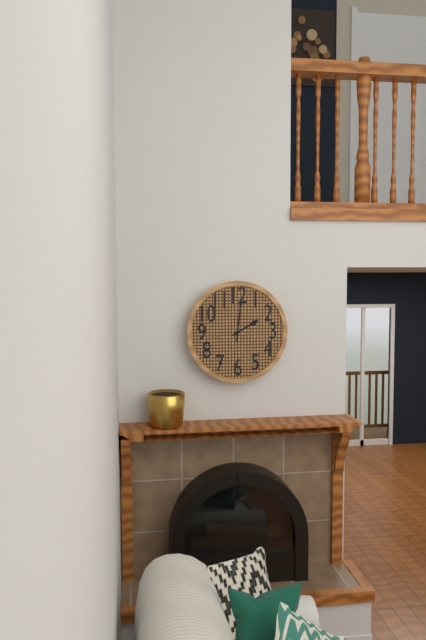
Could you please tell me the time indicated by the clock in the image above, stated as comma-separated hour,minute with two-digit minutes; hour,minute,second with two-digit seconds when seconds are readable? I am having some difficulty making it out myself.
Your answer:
2,01
